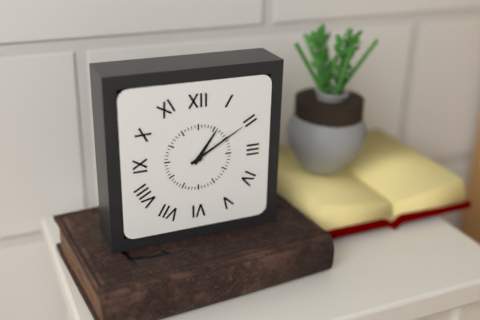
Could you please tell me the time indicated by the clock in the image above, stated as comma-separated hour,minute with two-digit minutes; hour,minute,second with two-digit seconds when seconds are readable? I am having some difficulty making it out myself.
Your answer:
1,10
